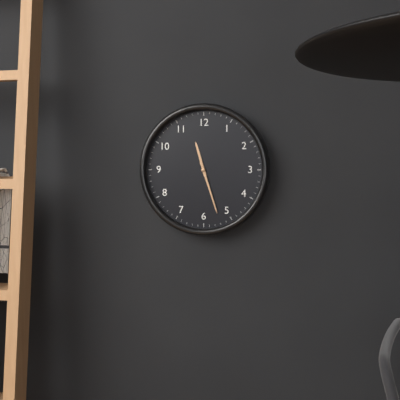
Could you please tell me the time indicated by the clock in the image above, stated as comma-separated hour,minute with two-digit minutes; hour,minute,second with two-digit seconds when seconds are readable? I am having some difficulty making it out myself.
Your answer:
11,27
